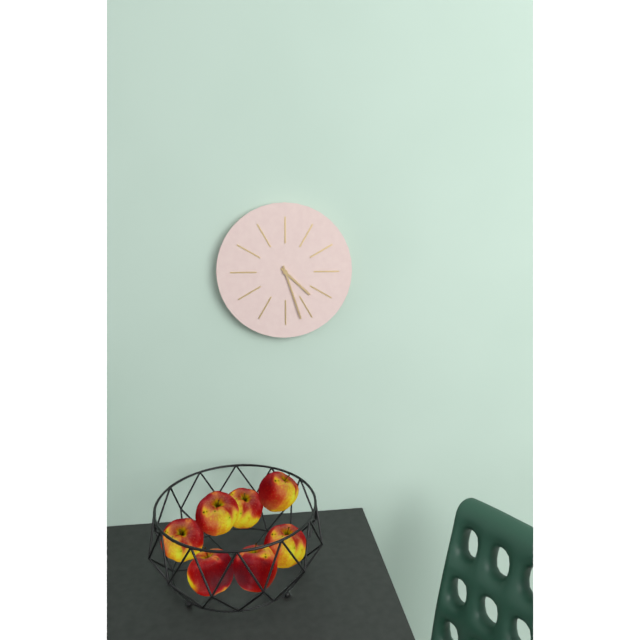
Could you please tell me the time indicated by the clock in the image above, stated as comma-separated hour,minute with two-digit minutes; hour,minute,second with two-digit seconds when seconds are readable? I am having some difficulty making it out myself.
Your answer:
4,27
